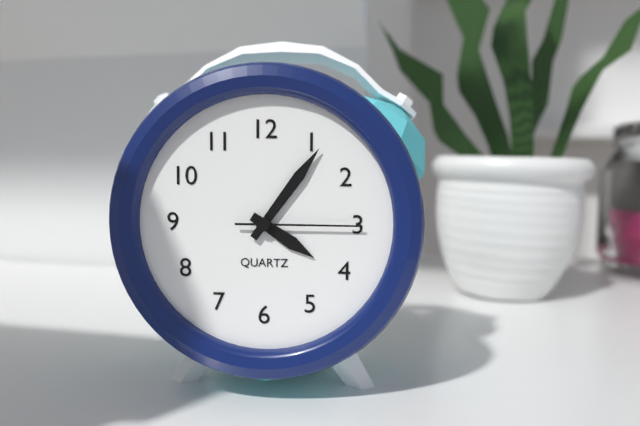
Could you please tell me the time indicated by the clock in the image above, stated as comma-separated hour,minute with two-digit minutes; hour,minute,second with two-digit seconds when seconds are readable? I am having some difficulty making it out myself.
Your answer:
4,06,15
